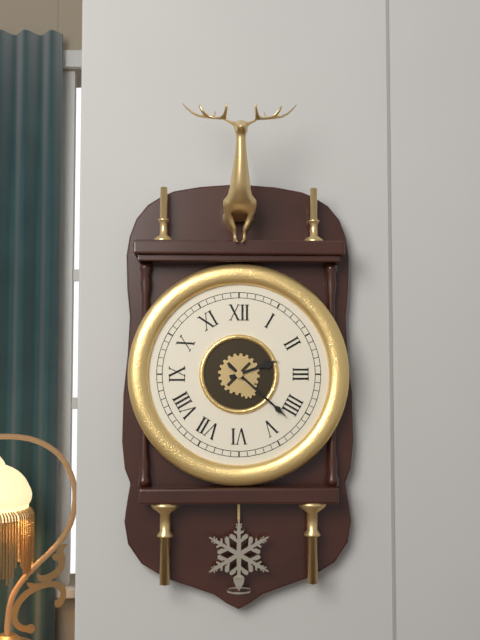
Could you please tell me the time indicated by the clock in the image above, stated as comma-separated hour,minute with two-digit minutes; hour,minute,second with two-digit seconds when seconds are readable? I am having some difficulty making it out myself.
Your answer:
2,22
